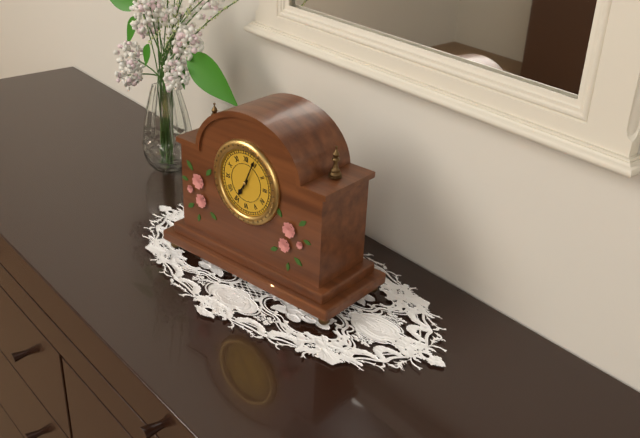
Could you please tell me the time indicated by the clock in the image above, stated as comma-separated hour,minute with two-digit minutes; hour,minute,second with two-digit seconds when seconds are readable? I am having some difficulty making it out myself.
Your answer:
7,04
